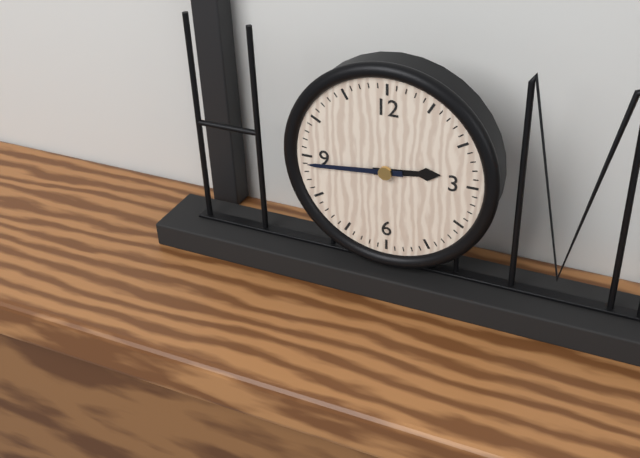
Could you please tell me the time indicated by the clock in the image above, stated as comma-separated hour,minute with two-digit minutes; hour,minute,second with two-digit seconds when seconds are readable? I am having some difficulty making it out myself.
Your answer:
2,44
